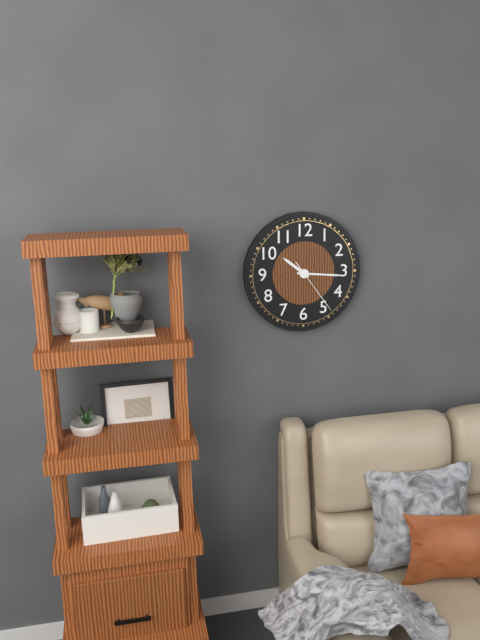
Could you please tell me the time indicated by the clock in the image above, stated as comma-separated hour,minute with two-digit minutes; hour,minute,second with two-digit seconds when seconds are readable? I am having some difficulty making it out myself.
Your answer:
10,16,24
